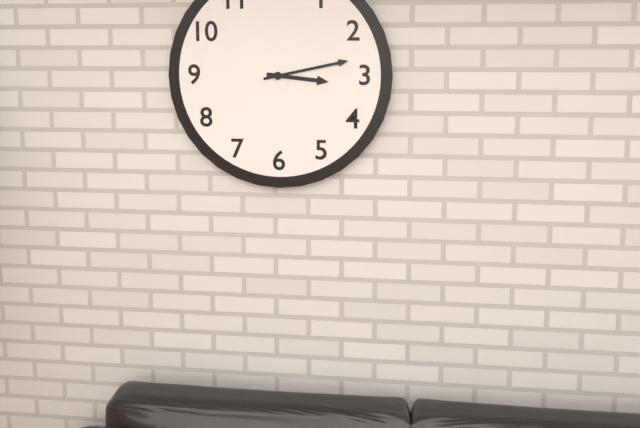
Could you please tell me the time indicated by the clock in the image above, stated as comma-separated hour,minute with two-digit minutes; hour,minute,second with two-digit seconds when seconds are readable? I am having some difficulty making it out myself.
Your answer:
3,13
